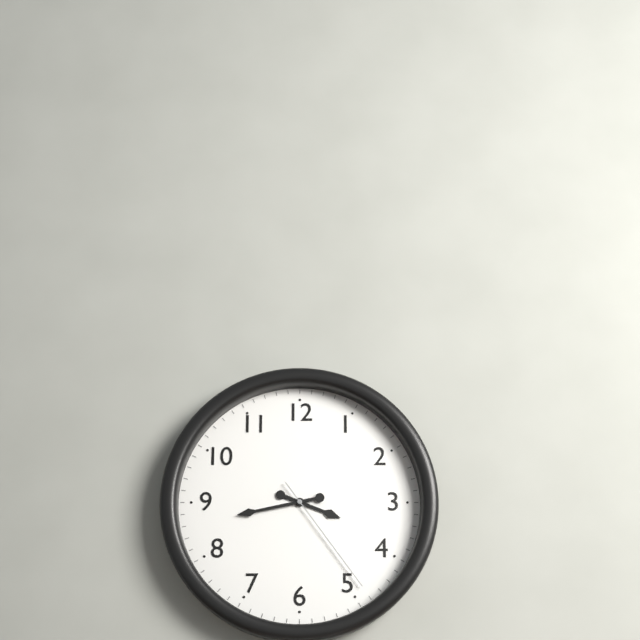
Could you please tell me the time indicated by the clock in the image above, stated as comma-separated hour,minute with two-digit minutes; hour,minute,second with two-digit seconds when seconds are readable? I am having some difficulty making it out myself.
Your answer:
3,43,24
